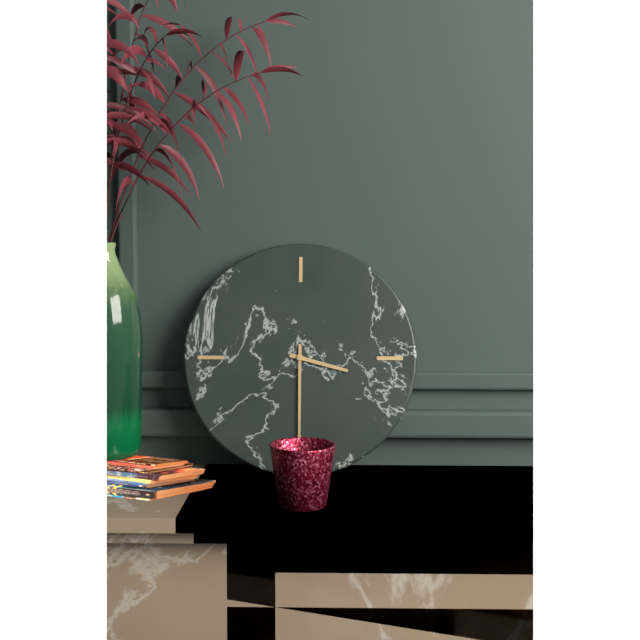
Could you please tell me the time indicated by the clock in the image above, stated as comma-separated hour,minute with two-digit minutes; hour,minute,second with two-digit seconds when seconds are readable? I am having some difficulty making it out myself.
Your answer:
3,30
